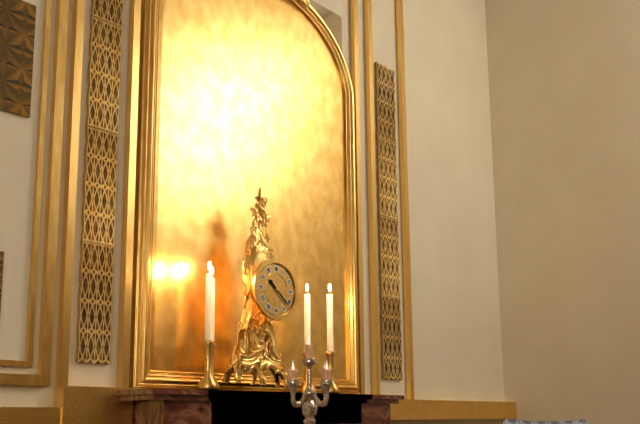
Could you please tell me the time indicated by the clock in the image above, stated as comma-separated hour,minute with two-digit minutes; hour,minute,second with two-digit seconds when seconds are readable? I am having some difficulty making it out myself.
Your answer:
10,22
